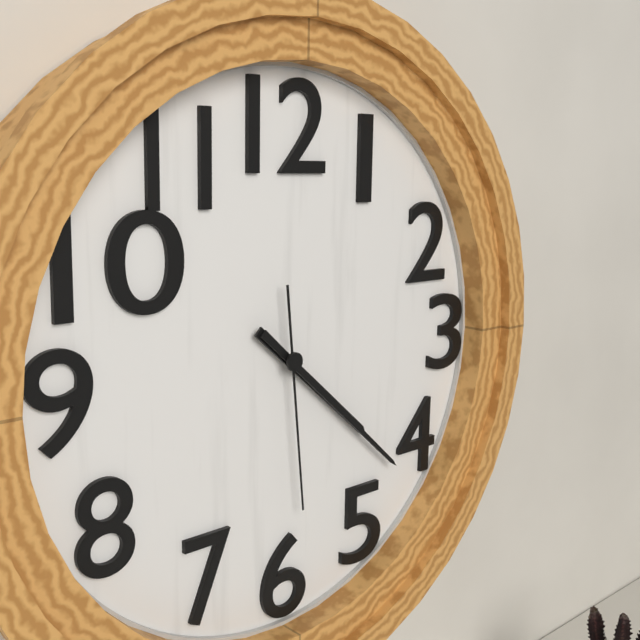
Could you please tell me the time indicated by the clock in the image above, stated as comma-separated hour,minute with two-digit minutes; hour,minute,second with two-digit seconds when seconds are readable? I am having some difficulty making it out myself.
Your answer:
4,22,29
